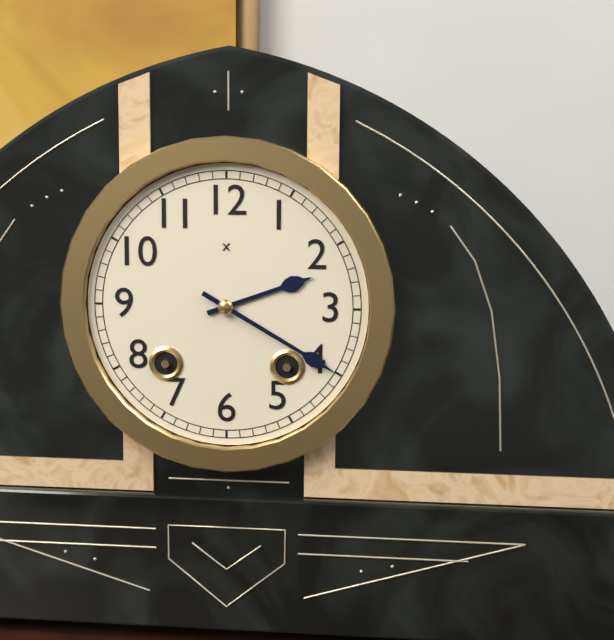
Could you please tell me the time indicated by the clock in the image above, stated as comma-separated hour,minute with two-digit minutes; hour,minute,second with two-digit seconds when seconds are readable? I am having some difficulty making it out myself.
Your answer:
2,20
